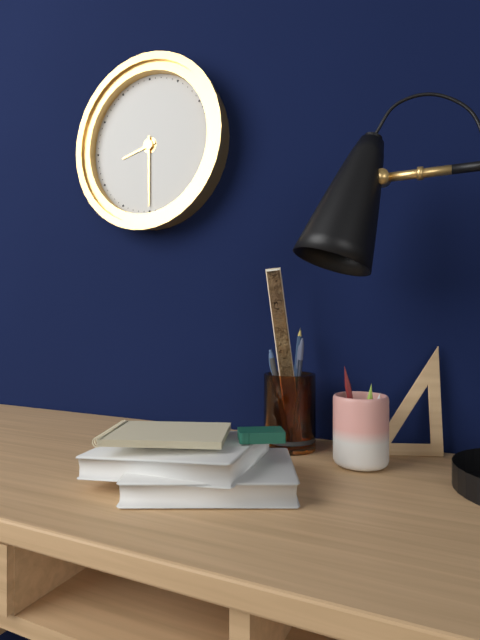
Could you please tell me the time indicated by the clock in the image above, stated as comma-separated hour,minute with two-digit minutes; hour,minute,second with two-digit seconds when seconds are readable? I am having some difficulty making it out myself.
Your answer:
8,30
